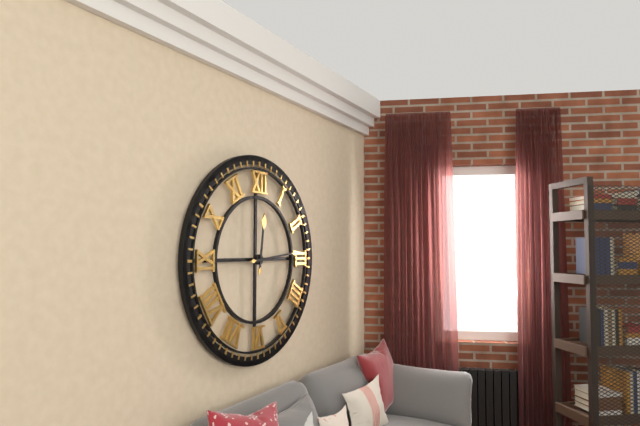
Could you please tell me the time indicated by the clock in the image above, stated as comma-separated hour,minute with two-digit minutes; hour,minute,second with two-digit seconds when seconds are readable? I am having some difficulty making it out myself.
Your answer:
12,14
